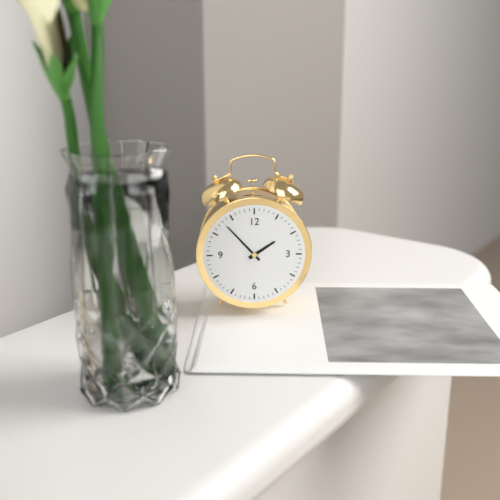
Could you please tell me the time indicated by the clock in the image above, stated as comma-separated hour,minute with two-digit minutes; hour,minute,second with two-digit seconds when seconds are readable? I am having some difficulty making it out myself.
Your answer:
1,53
